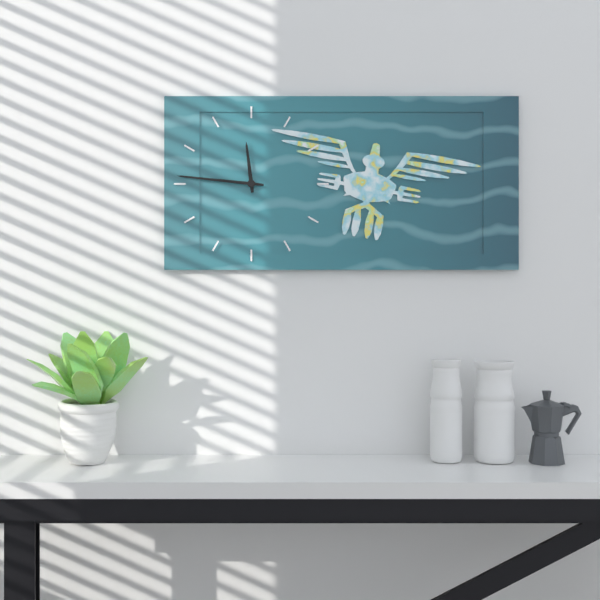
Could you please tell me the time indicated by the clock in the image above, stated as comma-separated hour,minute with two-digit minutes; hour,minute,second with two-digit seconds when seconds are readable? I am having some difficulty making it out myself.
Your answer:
11,46
